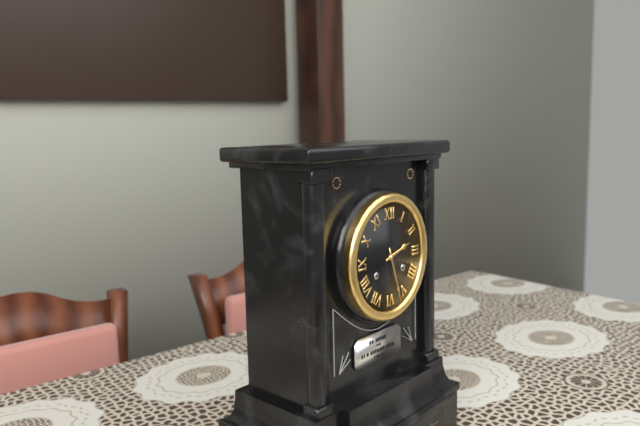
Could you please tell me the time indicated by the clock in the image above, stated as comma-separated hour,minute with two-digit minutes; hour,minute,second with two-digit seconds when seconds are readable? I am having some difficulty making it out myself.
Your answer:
2,27
